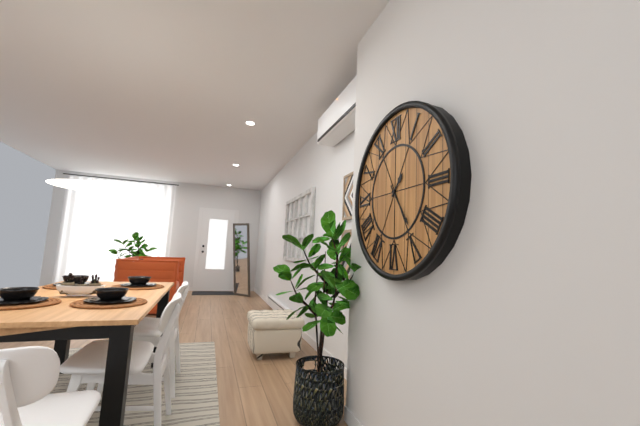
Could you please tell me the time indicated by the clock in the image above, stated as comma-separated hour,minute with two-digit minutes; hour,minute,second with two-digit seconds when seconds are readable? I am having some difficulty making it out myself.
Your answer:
1,24
